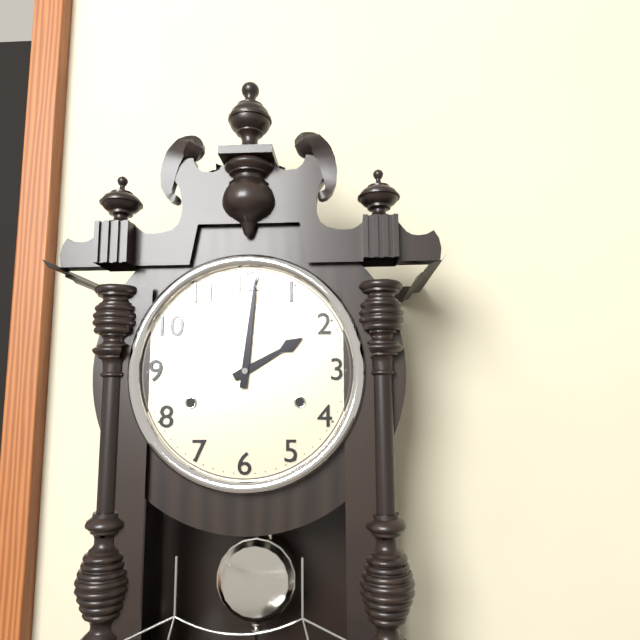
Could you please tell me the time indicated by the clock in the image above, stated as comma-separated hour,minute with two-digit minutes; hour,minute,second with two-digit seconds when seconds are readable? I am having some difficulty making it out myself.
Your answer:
2,01
